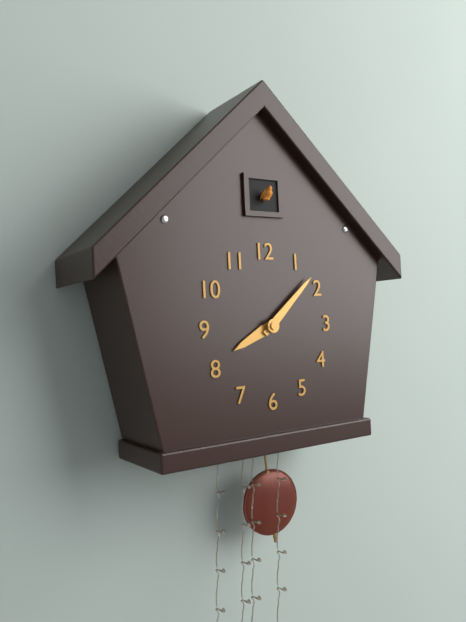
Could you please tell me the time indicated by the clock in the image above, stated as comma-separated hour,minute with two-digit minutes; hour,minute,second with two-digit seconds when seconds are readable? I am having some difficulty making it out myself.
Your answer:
8,08
